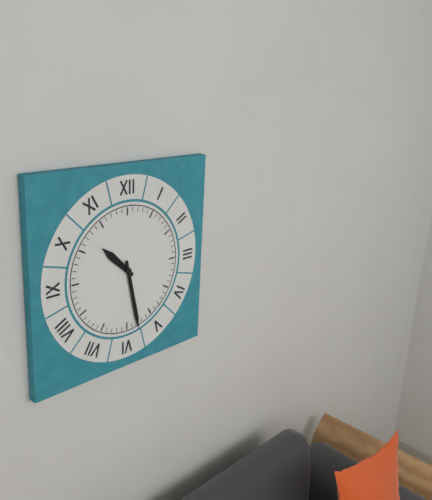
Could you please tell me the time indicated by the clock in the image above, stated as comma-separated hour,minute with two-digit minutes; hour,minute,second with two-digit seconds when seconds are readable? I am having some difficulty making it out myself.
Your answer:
10,28
